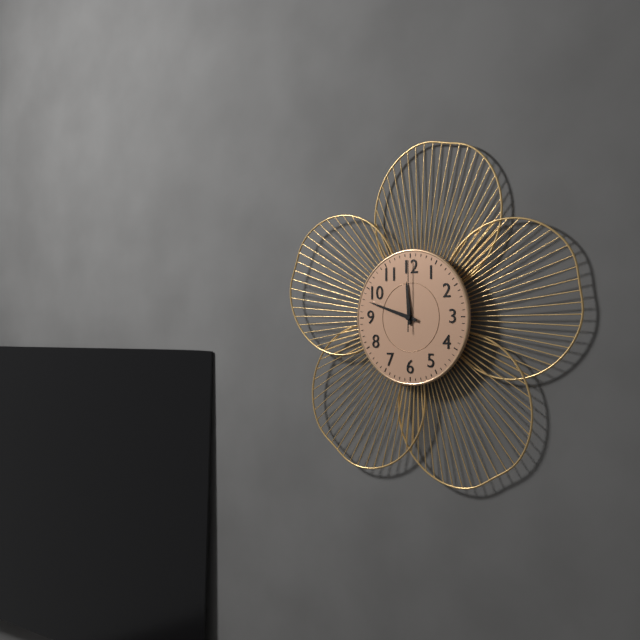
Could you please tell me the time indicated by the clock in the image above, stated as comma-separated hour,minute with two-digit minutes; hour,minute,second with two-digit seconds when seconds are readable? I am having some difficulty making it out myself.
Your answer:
11,48,00
